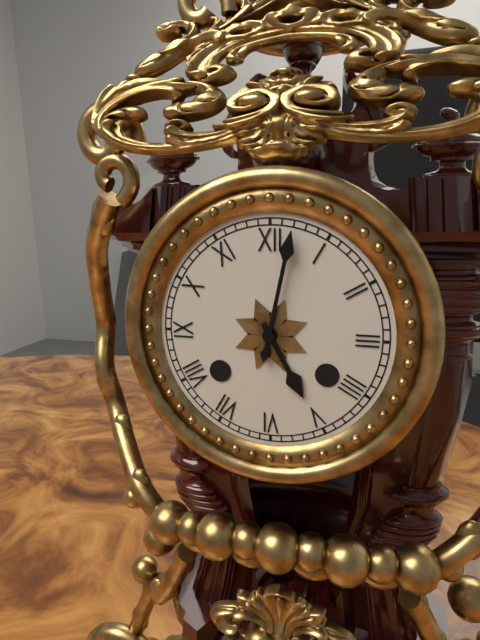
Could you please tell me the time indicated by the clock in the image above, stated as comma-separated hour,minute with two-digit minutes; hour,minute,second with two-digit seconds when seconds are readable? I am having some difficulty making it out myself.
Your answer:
5,02
